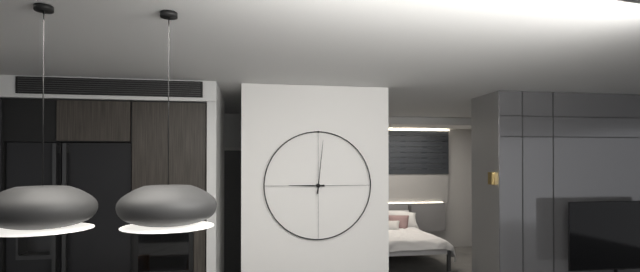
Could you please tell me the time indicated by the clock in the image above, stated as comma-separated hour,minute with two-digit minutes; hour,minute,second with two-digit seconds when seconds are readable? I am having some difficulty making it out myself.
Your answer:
9,01
